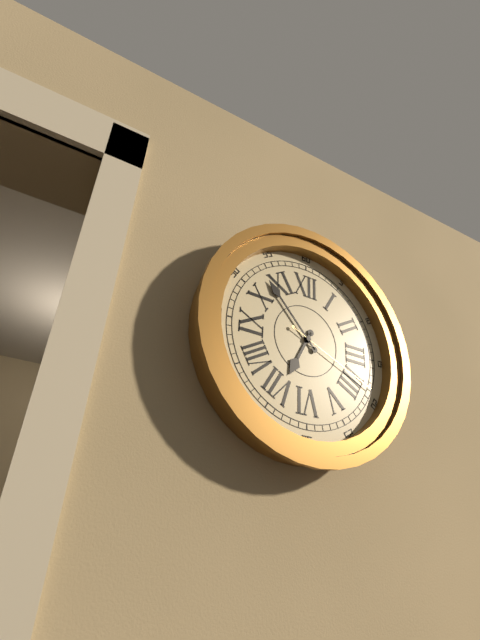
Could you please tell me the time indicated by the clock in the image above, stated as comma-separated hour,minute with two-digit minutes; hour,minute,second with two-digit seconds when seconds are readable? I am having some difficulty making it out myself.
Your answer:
6,53,19
